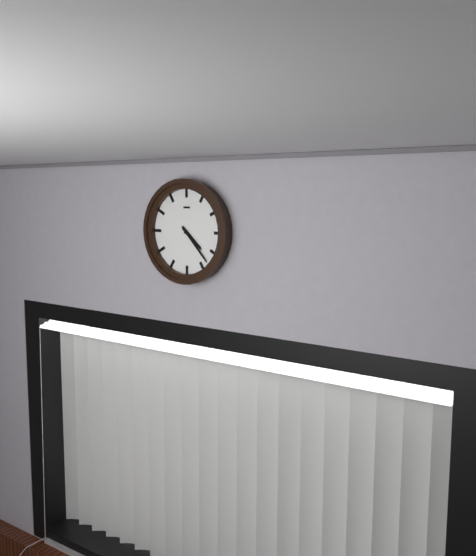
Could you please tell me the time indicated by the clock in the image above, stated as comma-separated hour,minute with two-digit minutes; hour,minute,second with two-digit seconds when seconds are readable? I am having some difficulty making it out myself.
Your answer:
4,23
